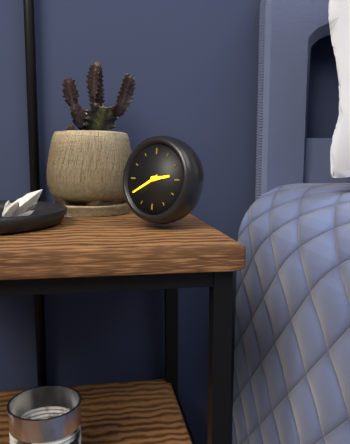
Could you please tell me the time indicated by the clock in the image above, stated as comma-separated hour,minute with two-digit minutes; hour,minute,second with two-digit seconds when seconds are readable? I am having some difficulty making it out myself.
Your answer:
2,40
